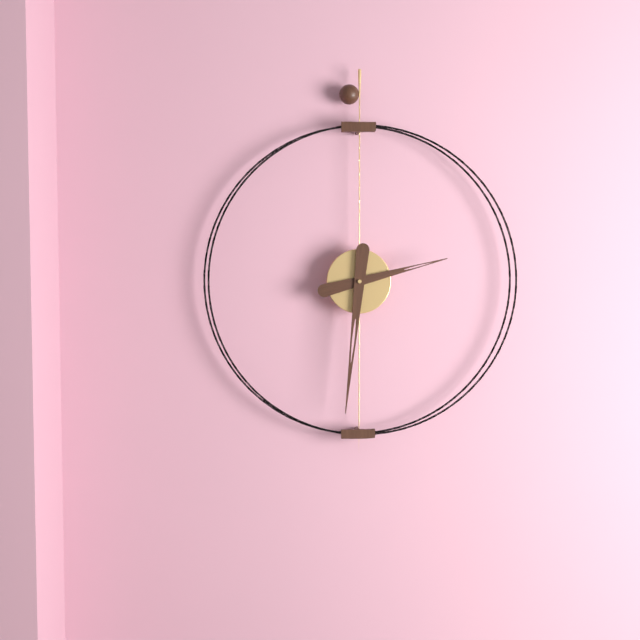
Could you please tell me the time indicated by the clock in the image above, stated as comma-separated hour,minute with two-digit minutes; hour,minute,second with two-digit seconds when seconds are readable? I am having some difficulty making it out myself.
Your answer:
2,31
